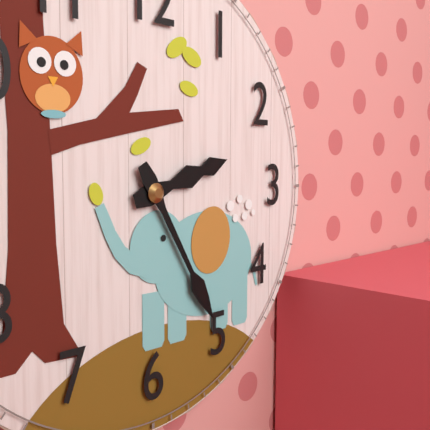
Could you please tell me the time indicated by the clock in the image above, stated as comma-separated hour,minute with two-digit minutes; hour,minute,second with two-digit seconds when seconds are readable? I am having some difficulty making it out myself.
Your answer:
2,25
